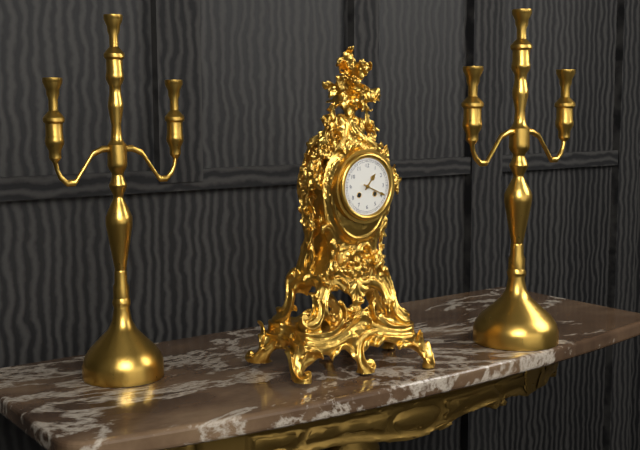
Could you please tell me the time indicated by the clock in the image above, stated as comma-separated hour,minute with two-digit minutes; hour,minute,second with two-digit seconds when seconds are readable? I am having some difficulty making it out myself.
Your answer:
1,19
